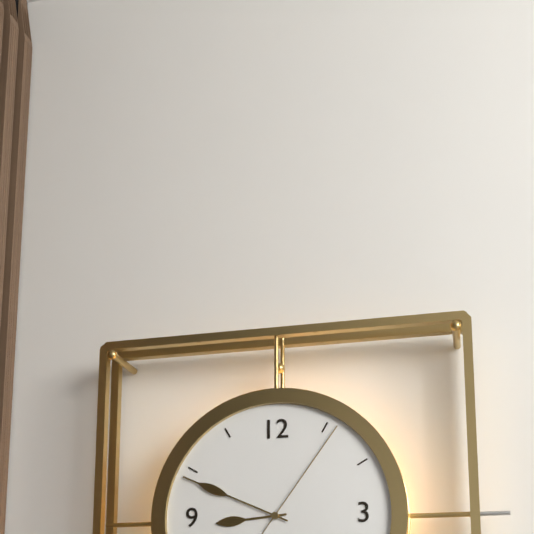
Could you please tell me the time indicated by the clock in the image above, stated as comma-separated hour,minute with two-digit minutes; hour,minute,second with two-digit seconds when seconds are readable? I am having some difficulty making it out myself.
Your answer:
8,49,06
